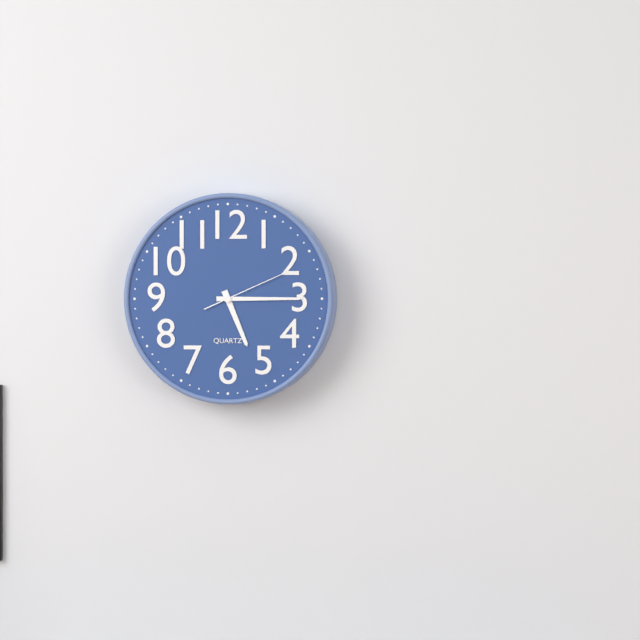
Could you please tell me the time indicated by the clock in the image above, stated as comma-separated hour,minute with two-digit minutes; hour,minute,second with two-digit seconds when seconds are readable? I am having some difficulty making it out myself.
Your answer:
5,15,11
